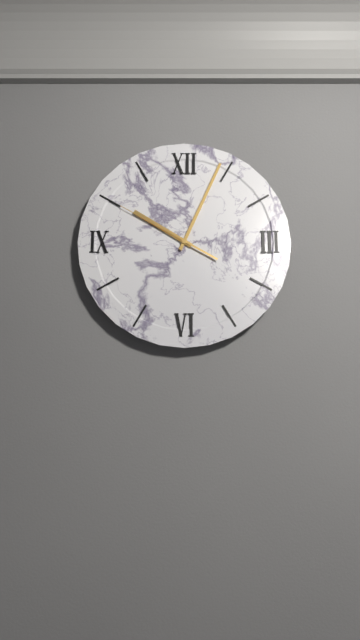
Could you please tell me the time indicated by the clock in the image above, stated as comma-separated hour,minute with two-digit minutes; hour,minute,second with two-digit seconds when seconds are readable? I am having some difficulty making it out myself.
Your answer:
10,04,50
